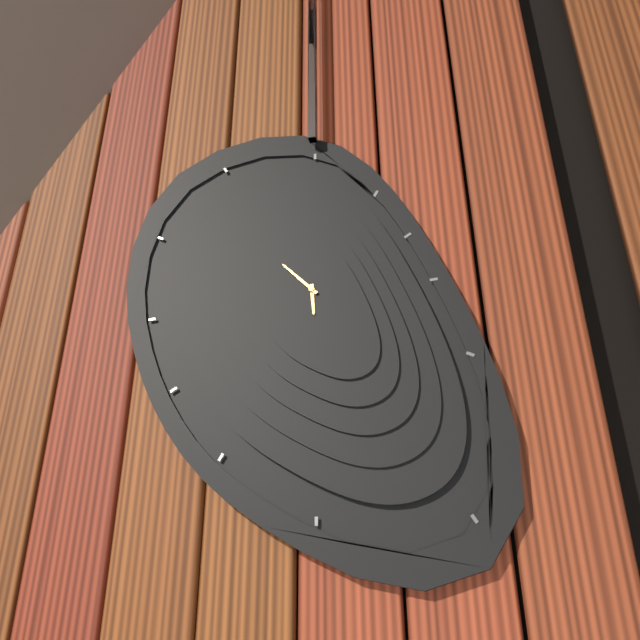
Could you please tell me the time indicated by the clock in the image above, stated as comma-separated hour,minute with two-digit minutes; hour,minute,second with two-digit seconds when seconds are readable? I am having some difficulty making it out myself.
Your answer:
5,53
